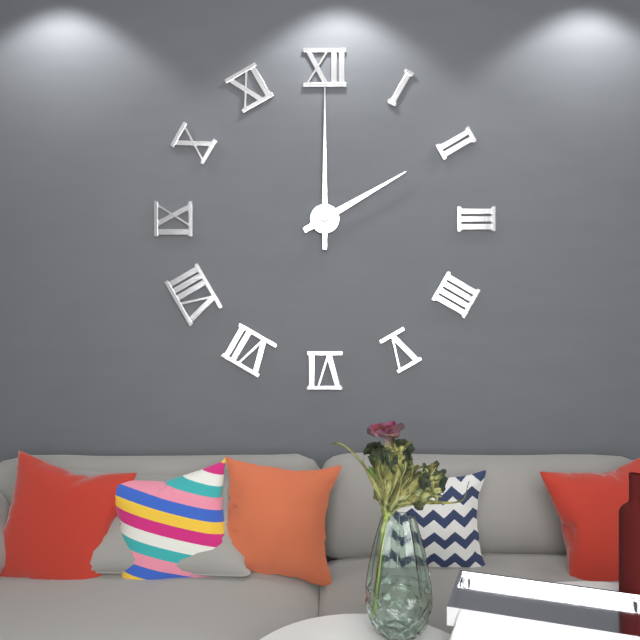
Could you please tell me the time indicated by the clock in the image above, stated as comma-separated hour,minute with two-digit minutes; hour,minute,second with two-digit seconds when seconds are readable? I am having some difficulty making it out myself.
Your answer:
2,00
